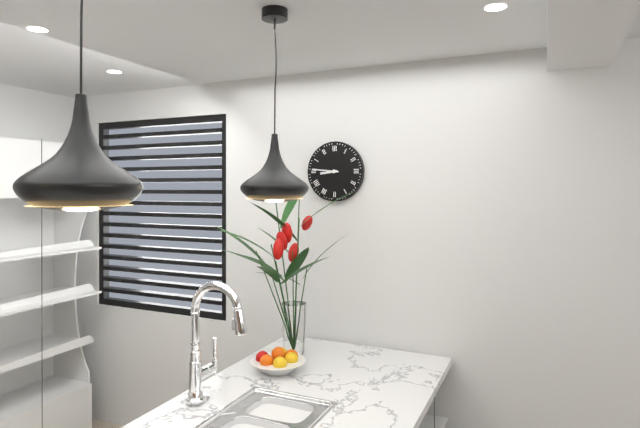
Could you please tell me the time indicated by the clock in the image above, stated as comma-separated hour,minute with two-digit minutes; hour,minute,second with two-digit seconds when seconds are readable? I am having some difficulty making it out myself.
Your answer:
8,46
